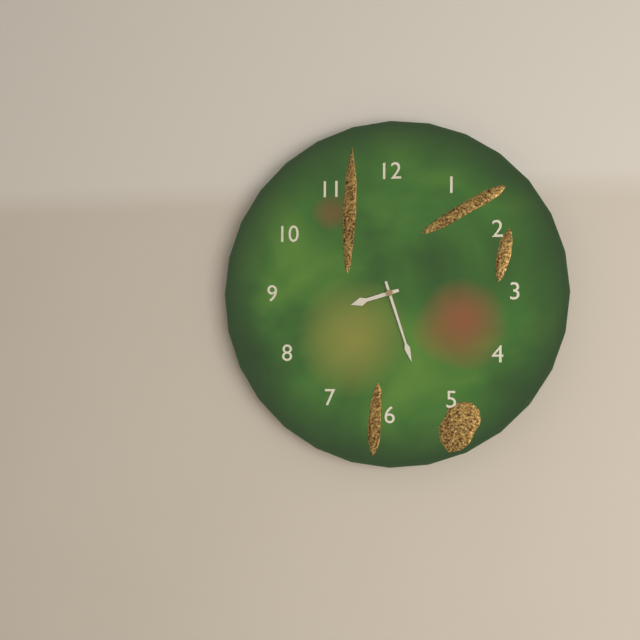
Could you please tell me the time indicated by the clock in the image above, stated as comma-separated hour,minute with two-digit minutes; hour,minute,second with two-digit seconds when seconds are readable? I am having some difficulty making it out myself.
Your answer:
8,27
